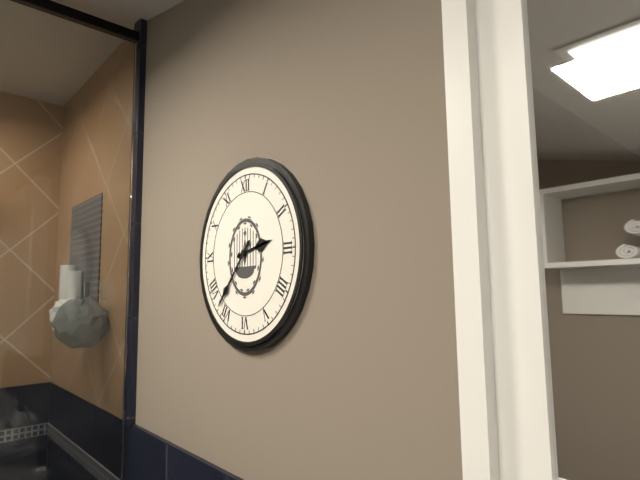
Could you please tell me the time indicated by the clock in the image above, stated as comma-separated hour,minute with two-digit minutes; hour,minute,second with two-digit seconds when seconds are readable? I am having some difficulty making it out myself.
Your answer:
2,37
